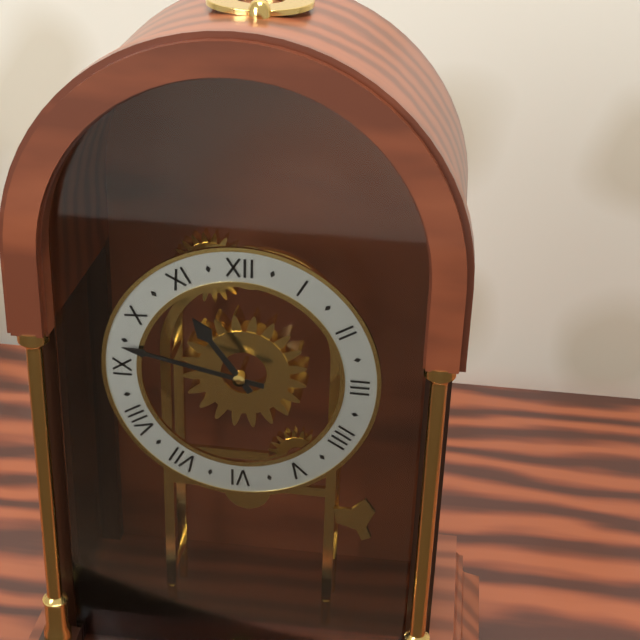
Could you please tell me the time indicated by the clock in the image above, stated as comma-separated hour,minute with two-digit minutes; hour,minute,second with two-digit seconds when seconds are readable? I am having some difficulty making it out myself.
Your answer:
10,47
